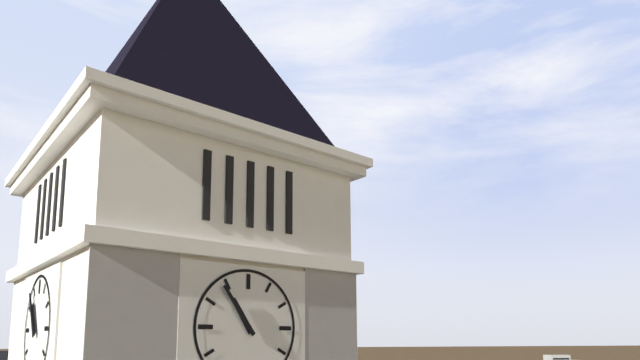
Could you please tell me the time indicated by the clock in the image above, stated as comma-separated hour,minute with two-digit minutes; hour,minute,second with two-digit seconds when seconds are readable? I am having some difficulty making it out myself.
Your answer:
10,54
